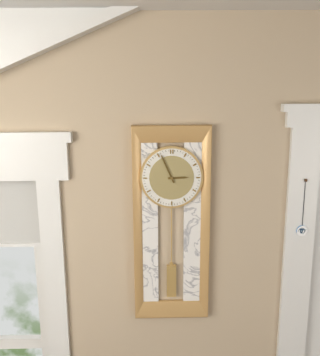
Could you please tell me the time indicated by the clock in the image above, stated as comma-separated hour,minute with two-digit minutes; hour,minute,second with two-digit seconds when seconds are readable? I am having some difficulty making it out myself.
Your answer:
2,56
